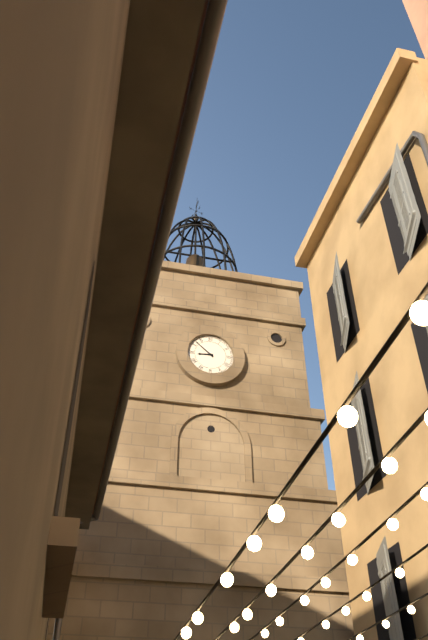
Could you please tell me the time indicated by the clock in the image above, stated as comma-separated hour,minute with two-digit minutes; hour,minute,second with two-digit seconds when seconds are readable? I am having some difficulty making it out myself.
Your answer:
8,52
